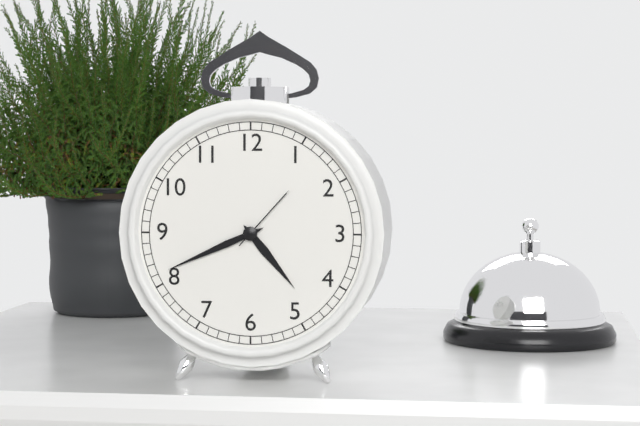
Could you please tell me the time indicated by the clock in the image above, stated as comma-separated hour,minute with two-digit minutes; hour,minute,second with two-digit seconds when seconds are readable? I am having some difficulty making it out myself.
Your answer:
4,41,07
